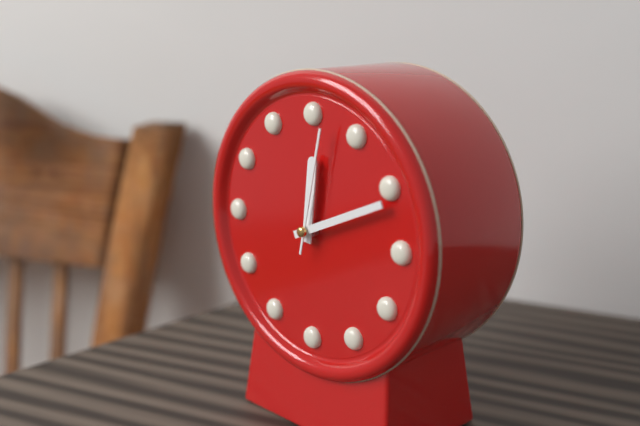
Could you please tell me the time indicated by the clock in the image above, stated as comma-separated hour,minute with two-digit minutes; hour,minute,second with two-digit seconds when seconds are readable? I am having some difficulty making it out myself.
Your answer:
12,11,02
